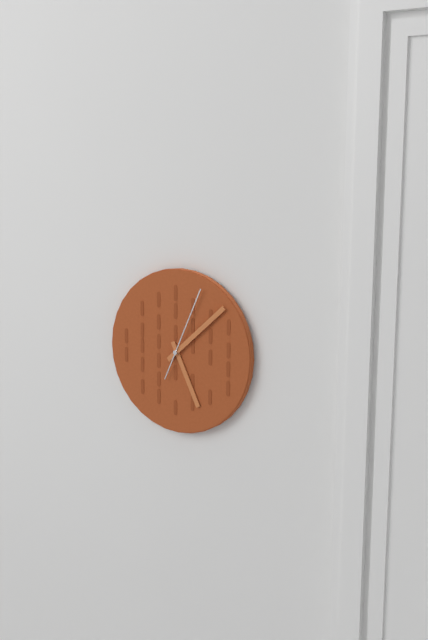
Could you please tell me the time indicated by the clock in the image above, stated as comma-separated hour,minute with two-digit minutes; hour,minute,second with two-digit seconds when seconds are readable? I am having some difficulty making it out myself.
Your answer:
5,08,04
